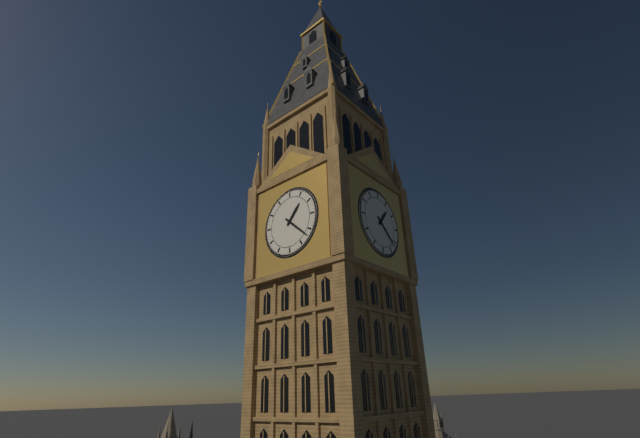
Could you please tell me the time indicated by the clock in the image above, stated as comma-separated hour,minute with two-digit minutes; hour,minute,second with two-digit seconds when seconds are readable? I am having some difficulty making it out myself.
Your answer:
1,22
